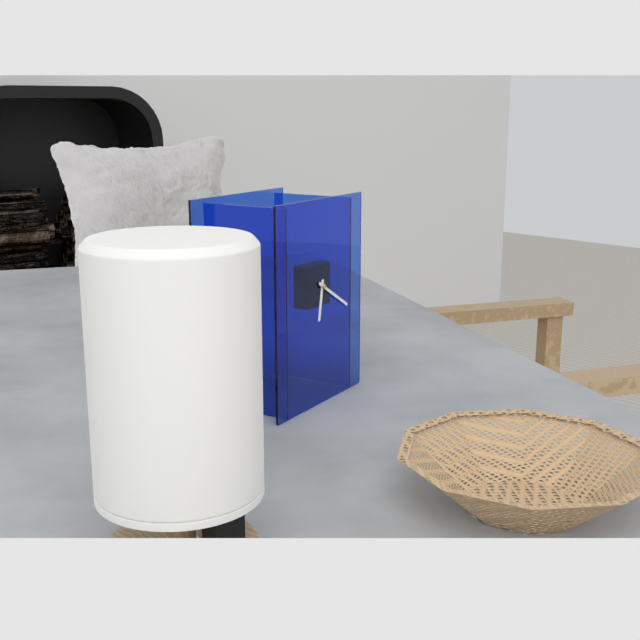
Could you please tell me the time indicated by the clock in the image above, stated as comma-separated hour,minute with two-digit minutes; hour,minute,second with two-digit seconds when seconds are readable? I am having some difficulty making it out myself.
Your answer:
6,20
